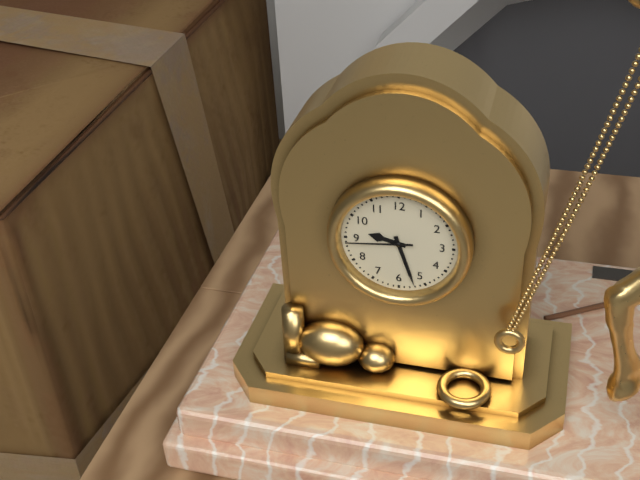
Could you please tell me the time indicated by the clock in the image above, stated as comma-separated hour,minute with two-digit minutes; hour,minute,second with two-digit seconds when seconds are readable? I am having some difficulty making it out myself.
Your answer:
9,27,44
